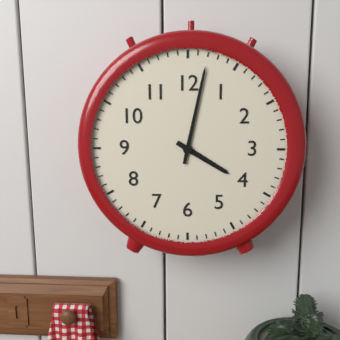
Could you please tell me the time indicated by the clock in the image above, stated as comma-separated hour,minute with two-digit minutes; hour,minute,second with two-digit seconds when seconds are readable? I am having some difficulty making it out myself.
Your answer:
4,02
